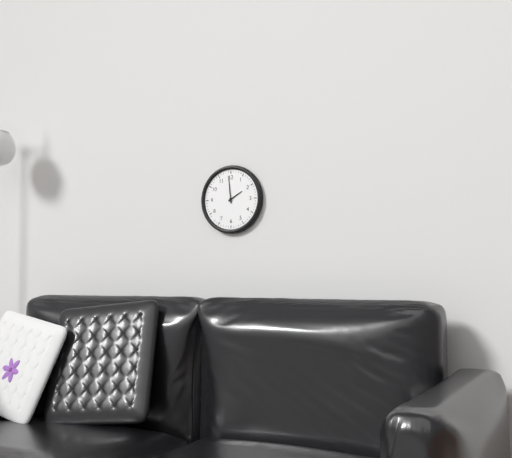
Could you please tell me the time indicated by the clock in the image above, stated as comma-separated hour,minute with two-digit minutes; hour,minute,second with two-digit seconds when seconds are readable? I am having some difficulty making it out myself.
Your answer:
1,59
